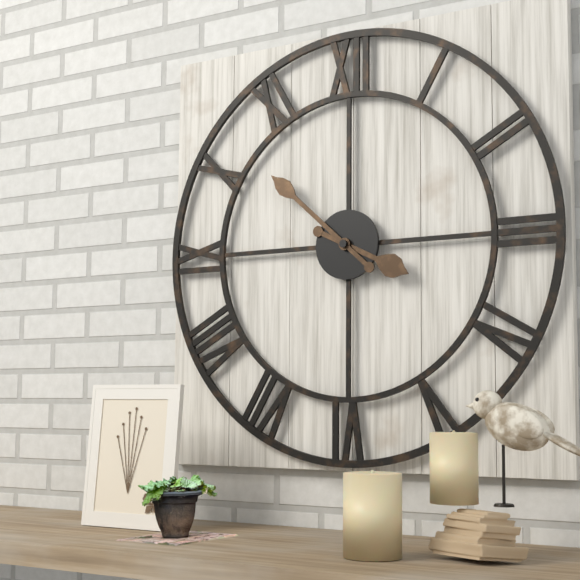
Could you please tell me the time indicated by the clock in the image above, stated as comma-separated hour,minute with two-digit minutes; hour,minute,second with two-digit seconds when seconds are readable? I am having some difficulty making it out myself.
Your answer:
3,52
